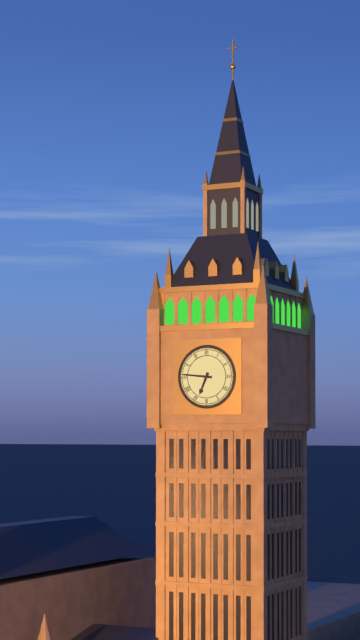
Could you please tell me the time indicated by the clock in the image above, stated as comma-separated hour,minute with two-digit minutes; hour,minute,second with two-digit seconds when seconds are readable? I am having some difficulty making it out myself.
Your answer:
6,46
